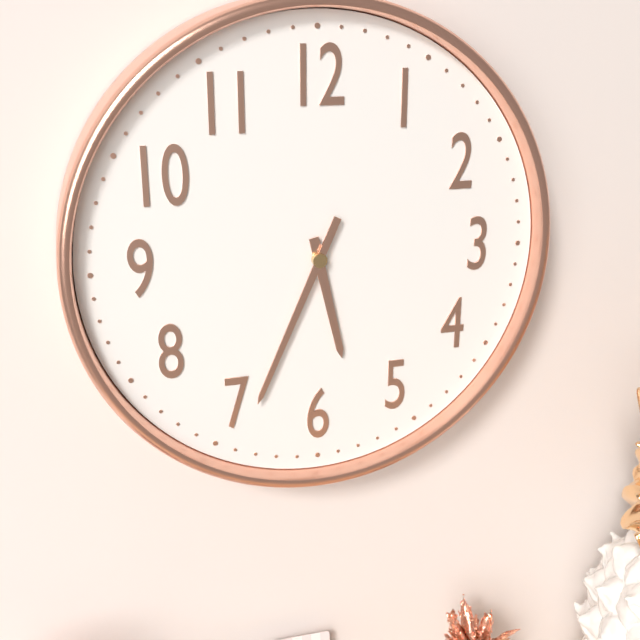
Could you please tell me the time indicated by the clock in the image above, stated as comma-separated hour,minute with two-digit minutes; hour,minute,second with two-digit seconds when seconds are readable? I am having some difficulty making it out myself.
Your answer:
5,34
